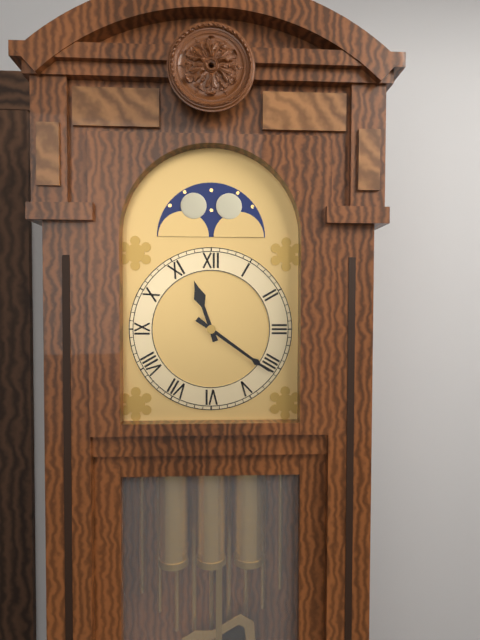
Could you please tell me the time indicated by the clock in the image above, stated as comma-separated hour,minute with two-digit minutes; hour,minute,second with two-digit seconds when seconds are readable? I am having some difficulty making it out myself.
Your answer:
11,21
